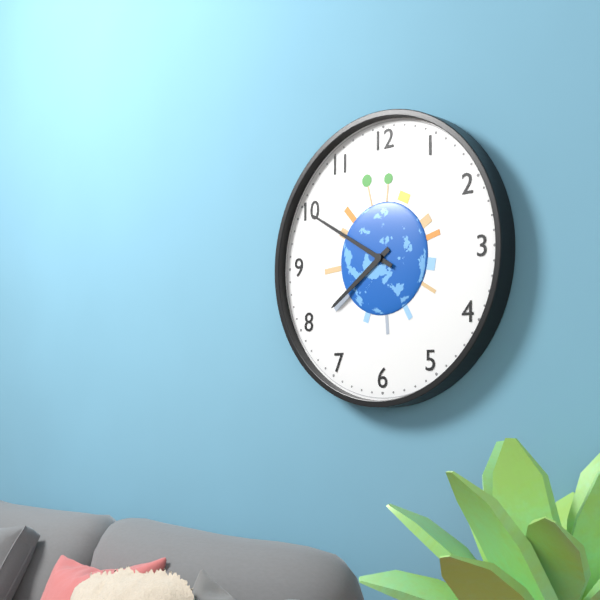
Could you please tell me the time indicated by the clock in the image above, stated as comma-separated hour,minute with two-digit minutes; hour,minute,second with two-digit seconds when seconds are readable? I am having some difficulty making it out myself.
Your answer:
7,50
